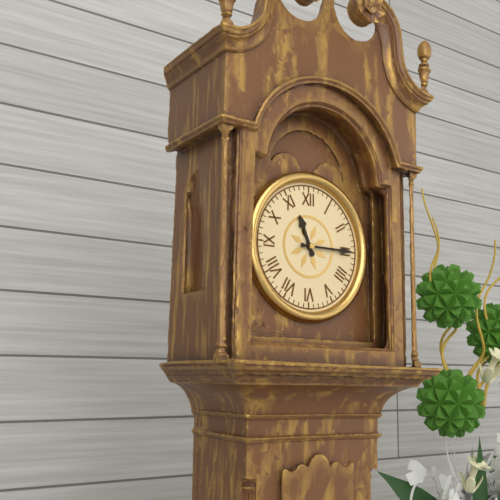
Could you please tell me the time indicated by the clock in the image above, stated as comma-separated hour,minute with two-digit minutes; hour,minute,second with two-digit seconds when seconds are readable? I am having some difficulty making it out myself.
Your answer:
11,15
